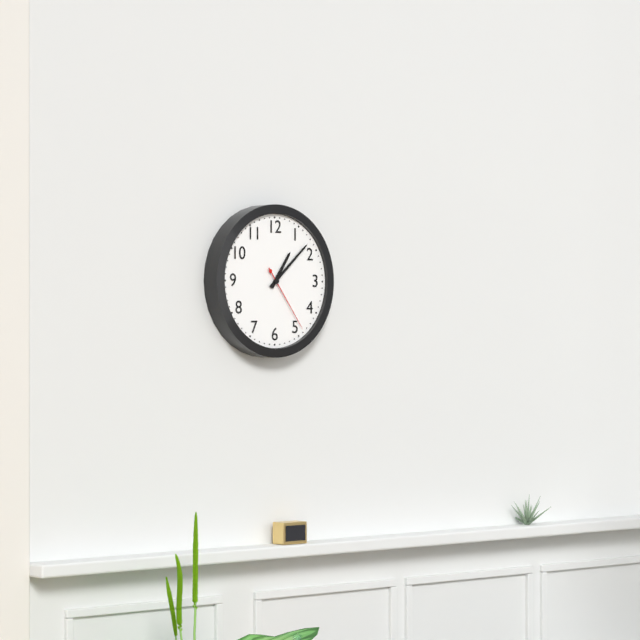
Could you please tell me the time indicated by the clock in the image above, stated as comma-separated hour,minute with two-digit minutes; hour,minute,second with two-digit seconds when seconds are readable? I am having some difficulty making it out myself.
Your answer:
1,08,24
